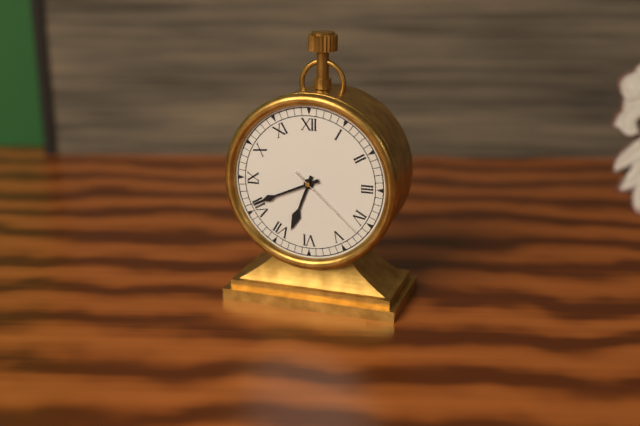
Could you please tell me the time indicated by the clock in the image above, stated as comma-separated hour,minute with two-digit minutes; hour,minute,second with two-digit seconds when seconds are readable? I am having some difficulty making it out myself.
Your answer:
6,41,22
